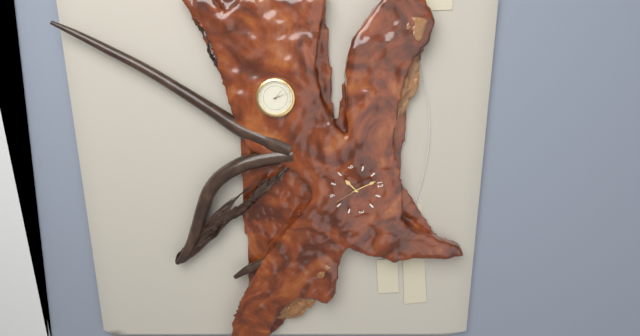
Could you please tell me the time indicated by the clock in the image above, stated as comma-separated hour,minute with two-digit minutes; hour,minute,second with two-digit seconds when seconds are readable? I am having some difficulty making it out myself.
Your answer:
7,58
